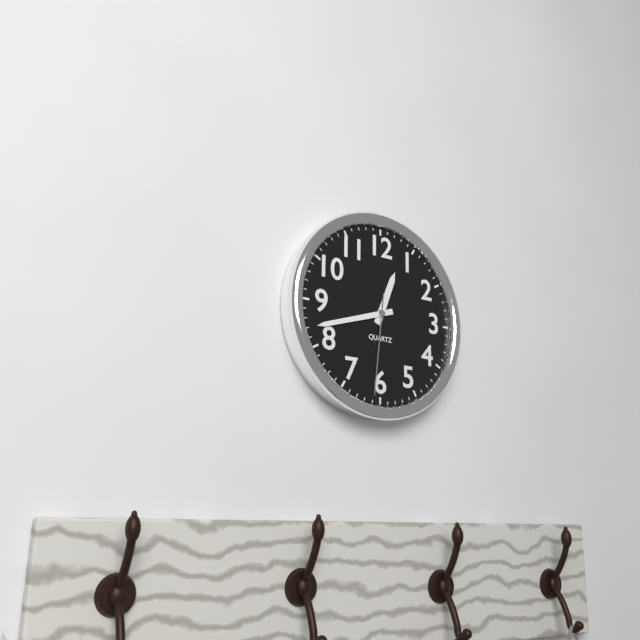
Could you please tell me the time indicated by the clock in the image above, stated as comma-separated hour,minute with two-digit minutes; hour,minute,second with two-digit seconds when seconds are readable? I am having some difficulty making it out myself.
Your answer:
12,42,31
